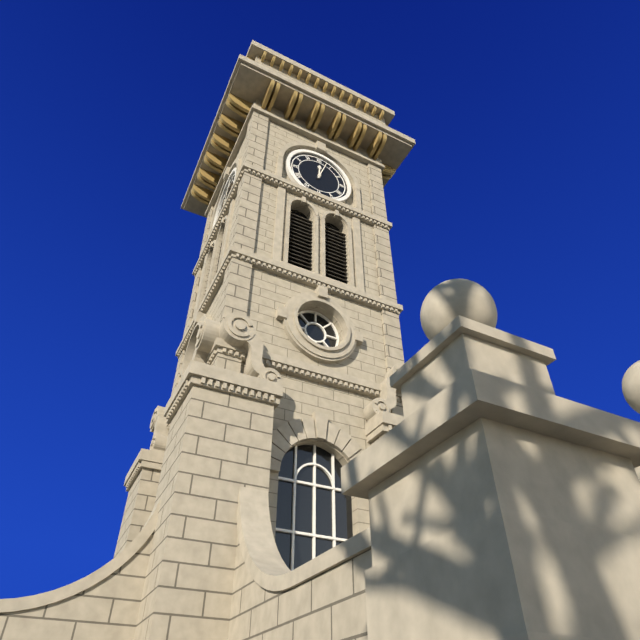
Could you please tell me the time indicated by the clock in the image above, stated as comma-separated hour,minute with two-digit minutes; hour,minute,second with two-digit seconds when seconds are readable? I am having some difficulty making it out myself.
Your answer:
12,03
